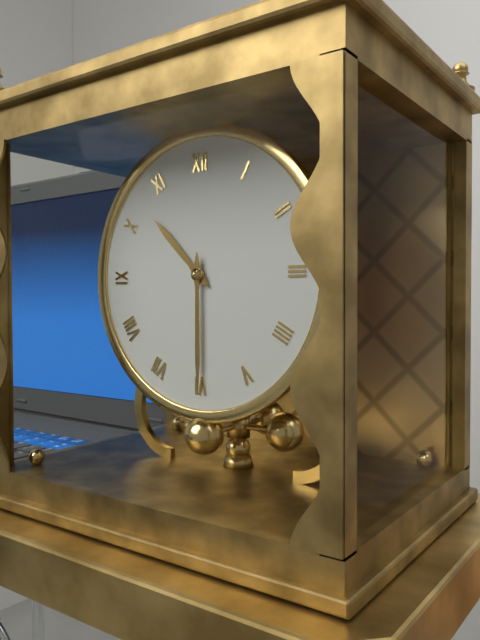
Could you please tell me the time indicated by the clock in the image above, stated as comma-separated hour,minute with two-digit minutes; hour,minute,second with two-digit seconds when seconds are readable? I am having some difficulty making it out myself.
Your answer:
10,30
